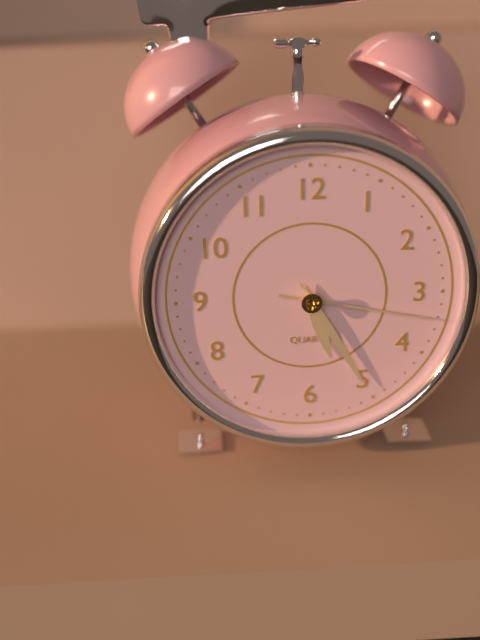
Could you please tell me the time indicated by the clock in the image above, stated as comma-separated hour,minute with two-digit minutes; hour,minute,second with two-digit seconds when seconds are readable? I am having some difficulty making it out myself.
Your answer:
5,25,17
